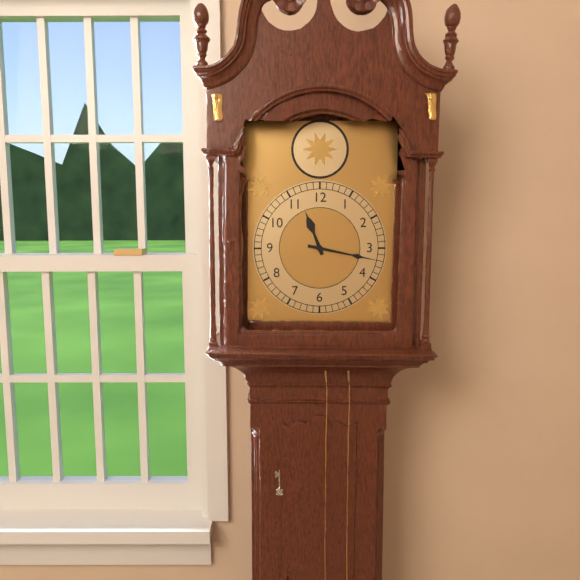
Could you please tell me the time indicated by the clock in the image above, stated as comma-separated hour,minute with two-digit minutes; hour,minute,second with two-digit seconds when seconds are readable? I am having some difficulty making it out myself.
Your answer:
11,17
